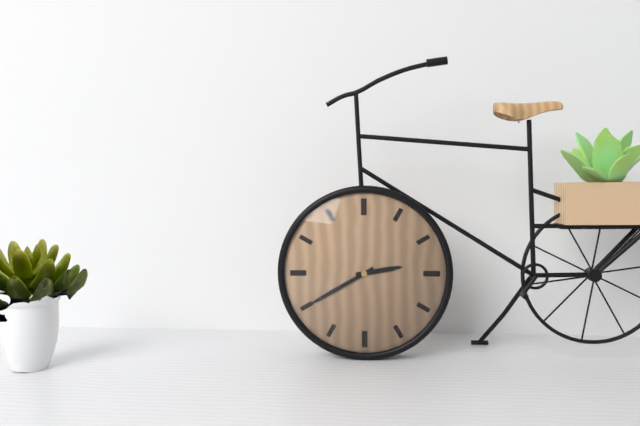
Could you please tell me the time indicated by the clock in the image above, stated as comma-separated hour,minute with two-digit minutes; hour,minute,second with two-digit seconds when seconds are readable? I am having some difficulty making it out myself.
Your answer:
2,40
